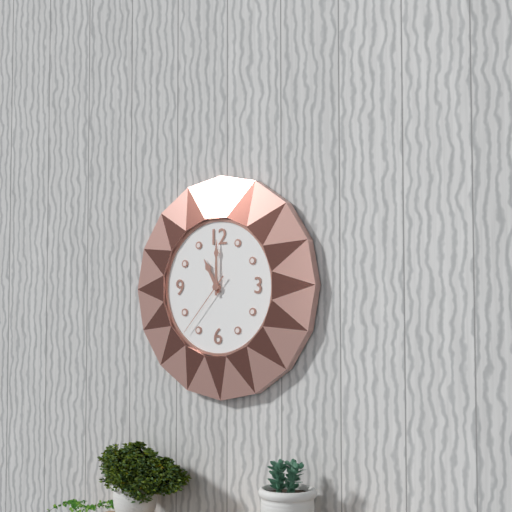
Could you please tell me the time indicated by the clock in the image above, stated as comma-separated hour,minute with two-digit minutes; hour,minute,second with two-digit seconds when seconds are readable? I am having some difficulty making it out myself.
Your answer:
11,00,37
